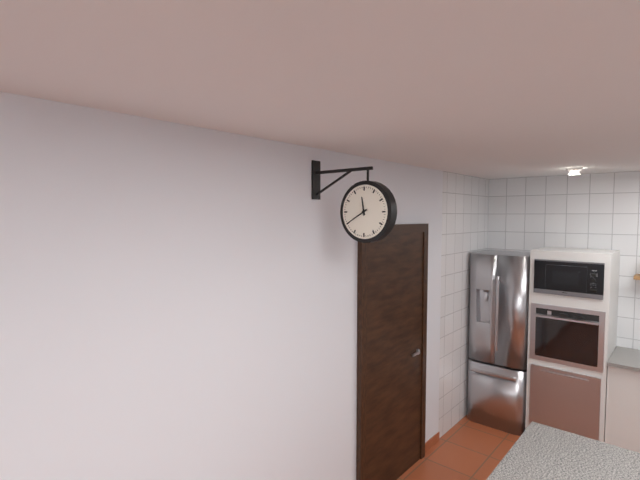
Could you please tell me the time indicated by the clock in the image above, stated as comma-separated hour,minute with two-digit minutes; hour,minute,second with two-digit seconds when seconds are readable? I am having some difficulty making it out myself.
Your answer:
11,40
